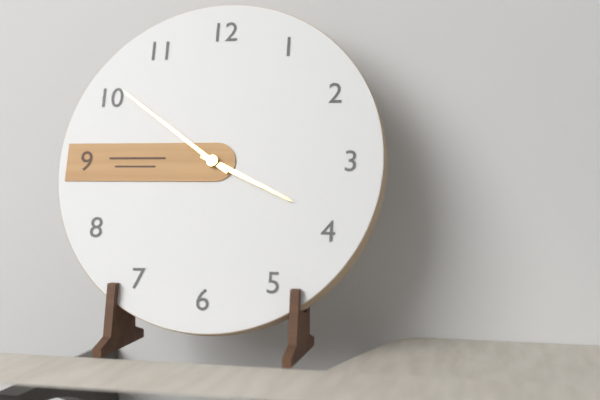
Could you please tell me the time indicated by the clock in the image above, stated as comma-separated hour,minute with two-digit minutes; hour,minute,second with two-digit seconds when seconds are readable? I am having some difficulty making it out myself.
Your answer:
3,51
